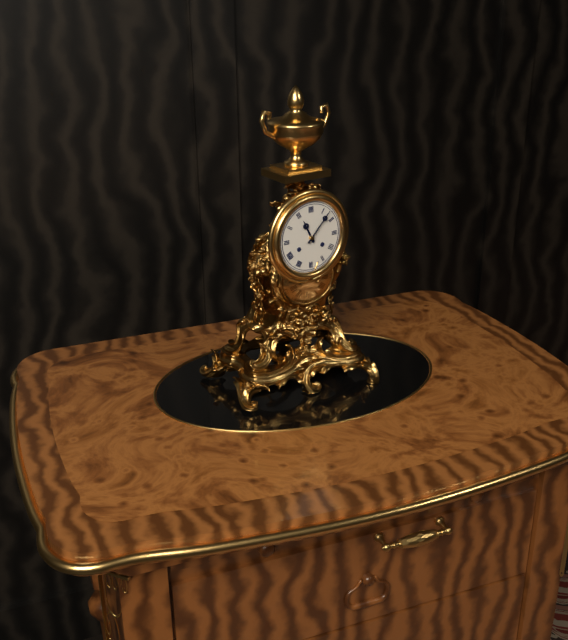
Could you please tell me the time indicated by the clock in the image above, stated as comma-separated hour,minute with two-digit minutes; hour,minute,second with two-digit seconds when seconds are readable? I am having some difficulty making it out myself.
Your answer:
11,07
